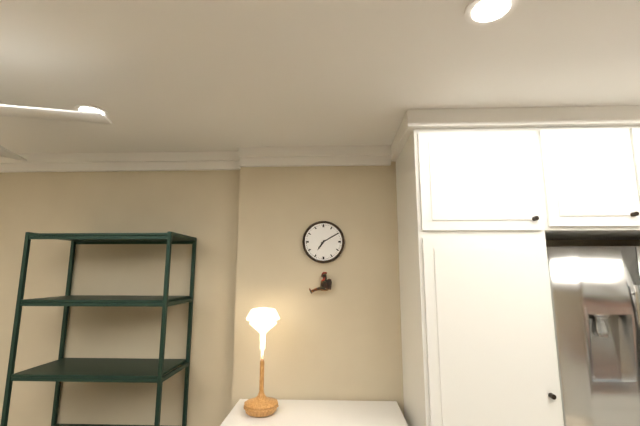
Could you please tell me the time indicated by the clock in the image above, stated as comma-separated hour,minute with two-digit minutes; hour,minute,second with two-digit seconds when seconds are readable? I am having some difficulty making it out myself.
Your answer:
7,10
